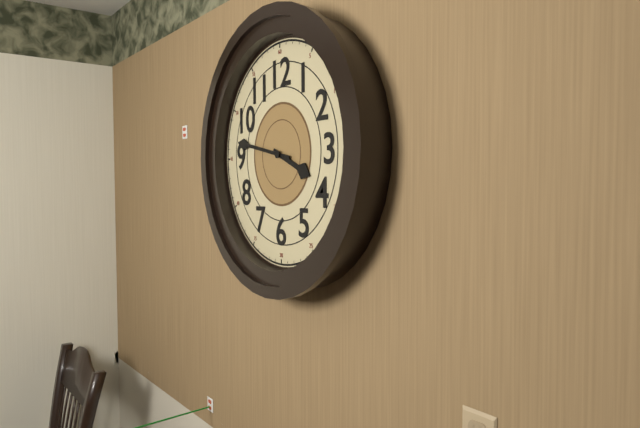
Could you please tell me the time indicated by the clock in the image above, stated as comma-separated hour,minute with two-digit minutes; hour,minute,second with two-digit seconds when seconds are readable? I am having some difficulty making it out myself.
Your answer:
3,47
